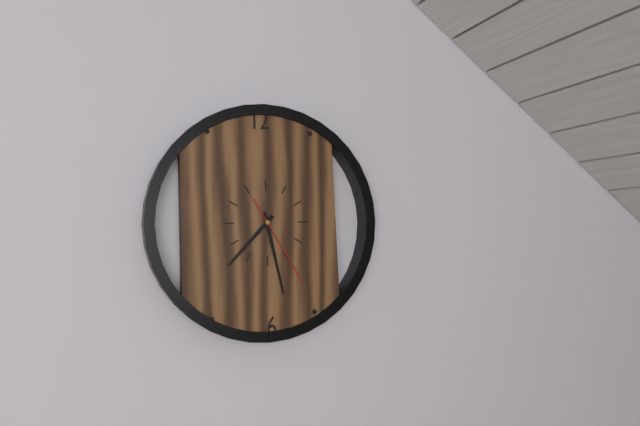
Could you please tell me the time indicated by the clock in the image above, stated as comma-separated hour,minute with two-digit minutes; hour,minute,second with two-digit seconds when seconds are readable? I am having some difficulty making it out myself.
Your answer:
7,28,25
